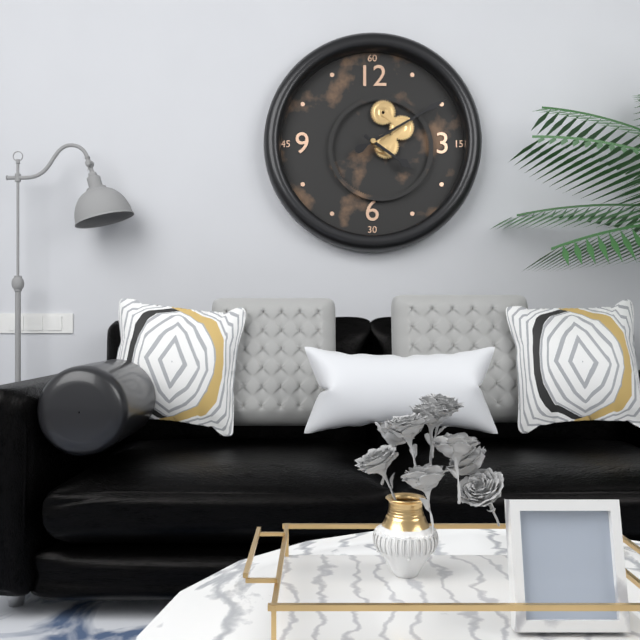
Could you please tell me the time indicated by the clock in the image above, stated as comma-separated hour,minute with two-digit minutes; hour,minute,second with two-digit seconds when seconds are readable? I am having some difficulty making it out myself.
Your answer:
4,10
